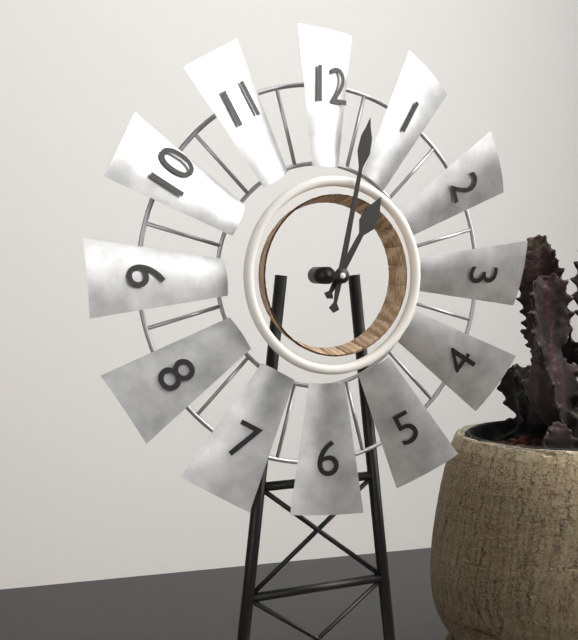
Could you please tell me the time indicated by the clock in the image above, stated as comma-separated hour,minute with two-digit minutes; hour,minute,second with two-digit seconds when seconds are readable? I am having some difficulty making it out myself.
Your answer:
1,02
